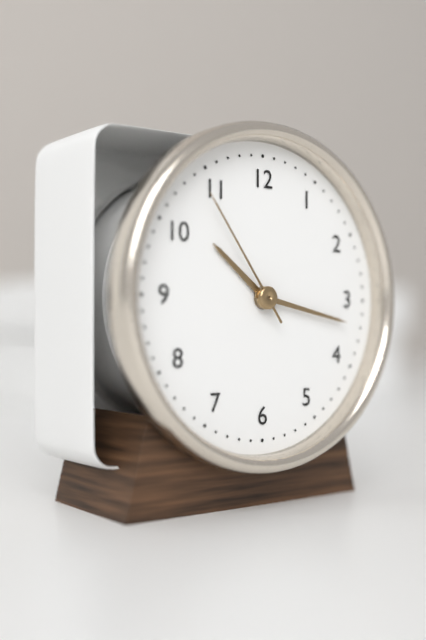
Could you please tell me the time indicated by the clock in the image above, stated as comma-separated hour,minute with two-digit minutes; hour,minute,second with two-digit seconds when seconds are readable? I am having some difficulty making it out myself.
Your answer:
10,17,54
